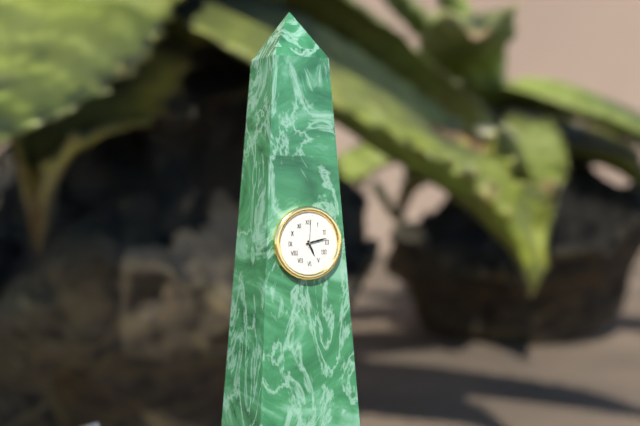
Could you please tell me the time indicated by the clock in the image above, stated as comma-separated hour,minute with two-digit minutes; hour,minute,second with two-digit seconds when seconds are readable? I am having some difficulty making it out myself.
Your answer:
5,13
